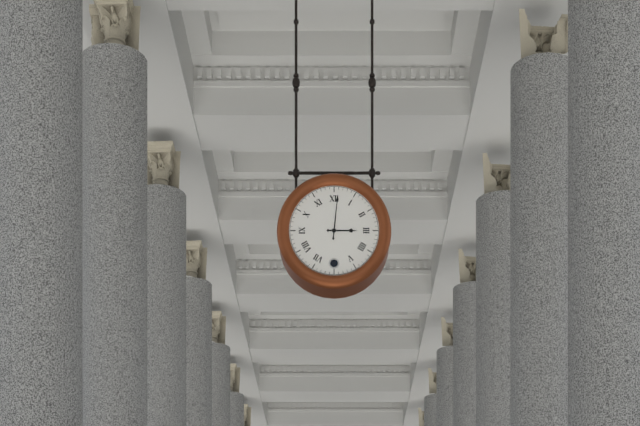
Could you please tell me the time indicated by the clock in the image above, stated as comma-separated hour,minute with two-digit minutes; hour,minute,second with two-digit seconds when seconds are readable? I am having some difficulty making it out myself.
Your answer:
3,01
